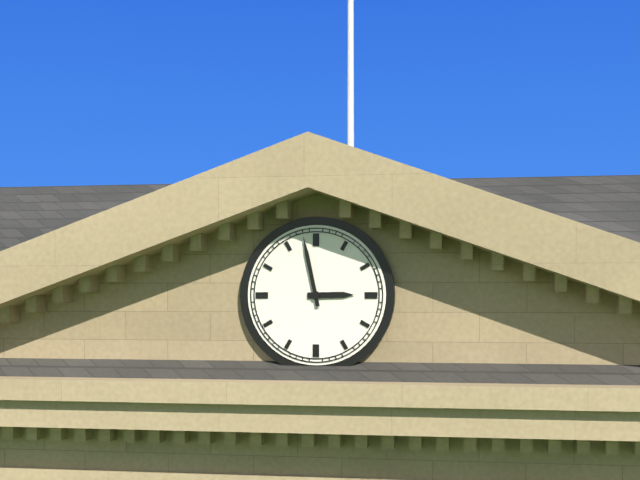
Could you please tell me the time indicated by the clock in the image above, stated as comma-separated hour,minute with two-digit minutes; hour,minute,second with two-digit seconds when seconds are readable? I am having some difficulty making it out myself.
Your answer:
2,58
